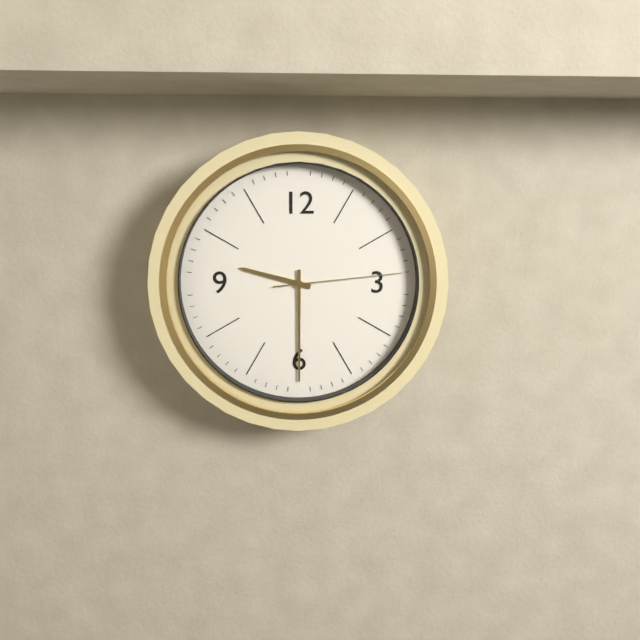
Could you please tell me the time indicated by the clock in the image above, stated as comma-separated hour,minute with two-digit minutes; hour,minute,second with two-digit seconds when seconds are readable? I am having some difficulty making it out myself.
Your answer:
9,30,14
